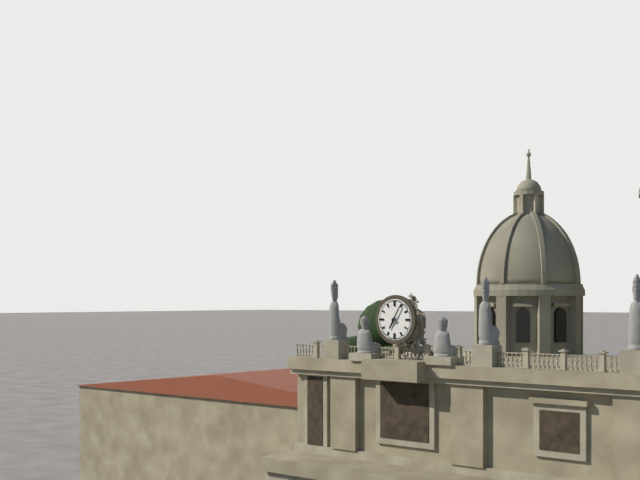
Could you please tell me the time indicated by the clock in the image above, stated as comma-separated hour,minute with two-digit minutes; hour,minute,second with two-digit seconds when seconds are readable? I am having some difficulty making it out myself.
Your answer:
7,05
